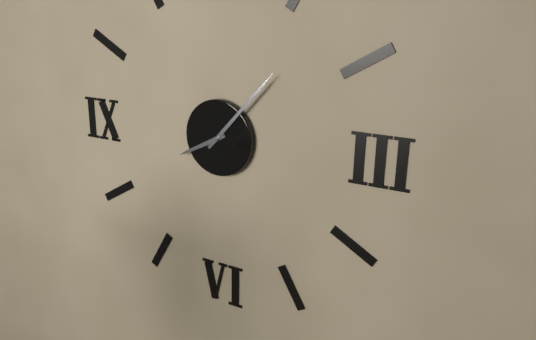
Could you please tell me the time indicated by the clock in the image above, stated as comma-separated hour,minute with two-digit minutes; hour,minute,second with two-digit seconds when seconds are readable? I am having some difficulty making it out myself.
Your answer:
8,07
